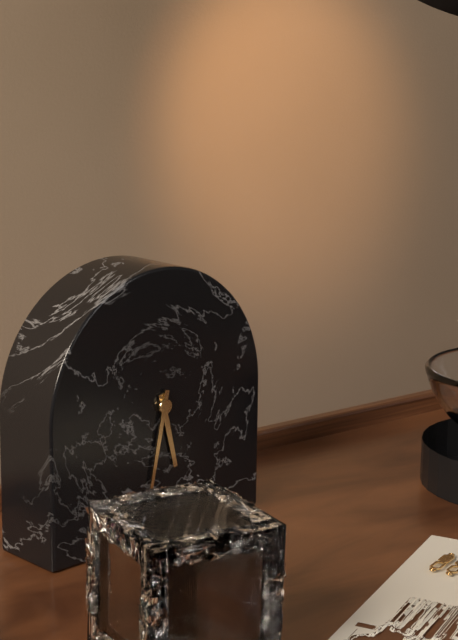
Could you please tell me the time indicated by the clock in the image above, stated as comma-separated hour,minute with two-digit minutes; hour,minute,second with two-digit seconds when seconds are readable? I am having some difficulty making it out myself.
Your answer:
5,32
